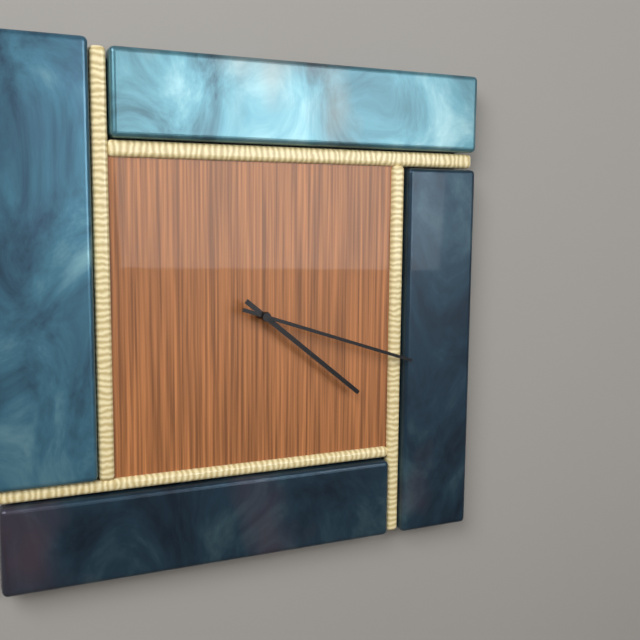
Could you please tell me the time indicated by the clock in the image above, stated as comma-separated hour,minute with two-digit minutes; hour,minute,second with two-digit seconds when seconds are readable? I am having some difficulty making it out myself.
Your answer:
4,18
